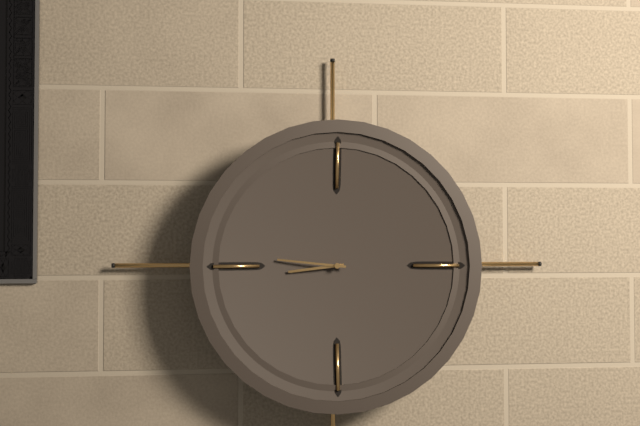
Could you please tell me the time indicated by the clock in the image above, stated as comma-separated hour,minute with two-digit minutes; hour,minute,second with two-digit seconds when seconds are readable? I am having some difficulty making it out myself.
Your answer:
8,46
